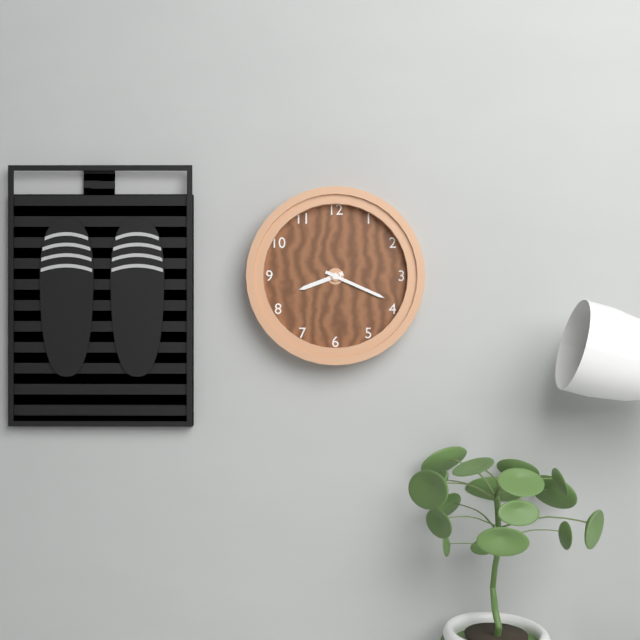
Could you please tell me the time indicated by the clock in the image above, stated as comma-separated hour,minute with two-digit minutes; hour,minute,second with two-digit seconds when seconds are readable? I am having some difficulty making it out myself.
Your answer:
8,19
